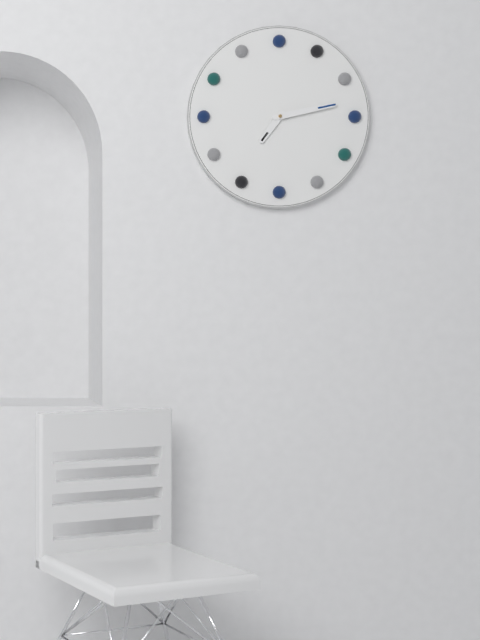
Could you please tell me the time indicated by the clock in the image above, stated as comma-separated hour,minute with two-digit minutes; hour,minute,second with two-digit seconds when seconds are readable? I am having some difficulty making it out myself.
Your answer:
7,13
